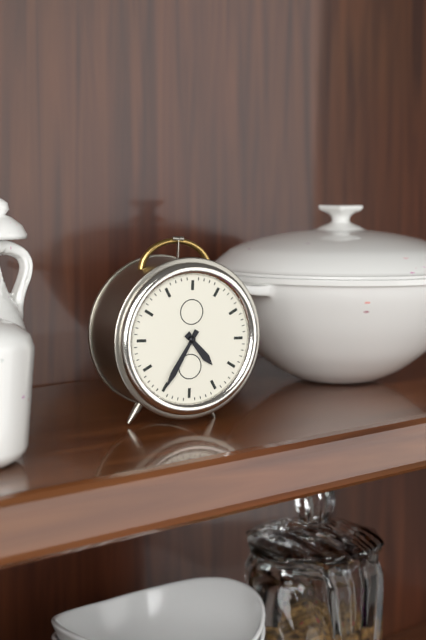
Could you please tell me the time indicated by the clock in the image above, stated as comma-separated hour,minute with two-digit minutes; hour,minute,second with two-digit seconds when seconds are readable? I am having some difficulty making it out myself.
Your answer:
4,35
